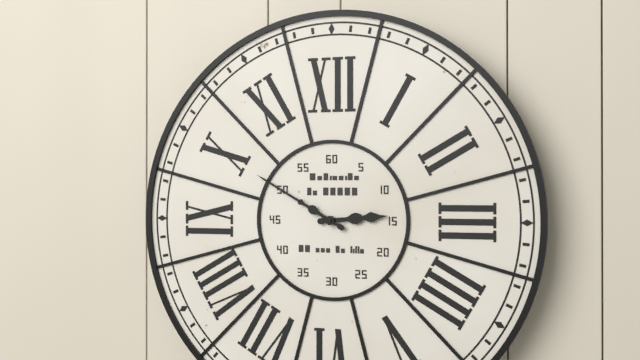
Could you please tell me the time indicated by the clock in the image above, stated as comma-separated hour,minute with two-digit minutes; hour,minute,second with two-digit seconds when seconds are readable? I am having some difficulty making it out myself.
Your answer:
2,50
